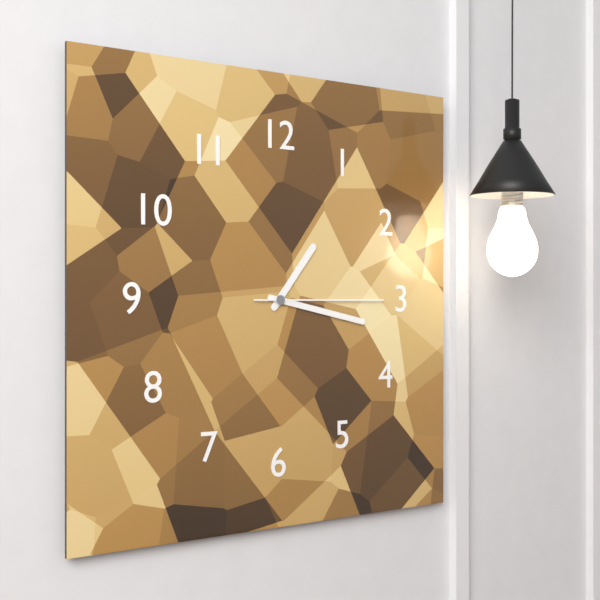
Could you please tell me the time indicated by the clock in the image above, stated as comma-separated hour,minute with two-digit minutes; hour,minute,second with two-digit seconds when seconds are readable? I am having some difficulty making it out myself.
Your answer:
1,17,15
